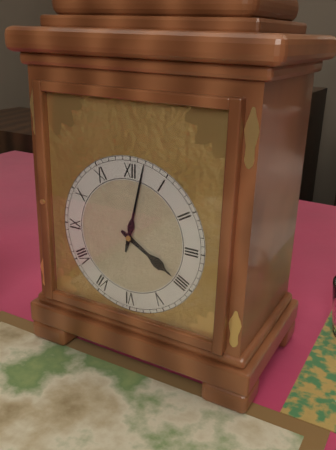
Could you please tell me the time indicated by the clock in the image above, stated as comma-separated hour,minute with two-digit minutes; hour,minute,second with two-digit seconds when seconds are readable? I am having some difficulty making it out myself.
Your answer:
4,02
